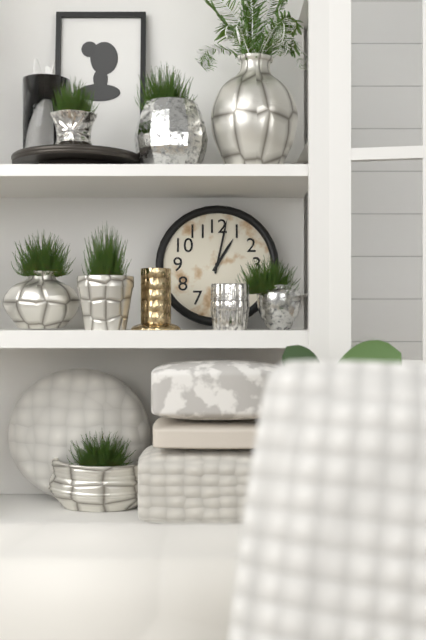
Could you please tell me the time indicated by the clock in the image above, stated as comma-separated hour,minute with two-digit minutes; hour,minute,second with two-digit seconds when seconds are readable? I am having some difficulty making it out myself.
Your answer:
1,02
